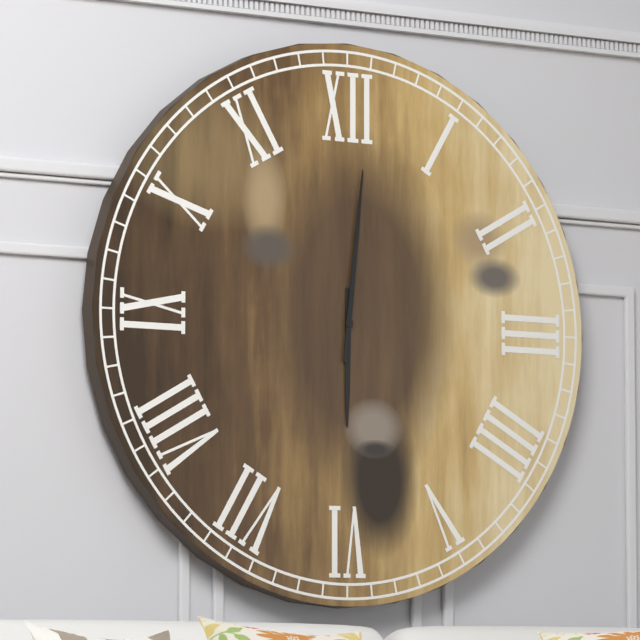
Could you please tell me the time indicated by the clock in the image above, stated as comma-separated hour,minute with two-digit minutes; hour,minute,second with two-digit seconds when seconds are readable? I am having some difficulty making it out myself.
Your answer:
6,01
